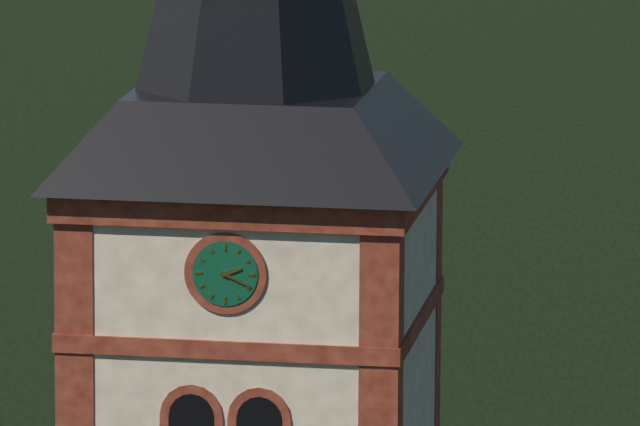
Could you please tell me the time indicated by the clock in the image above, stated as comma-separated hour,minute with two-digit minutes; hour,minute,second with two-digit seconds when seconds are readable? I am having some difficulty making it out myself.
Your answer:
2,19
